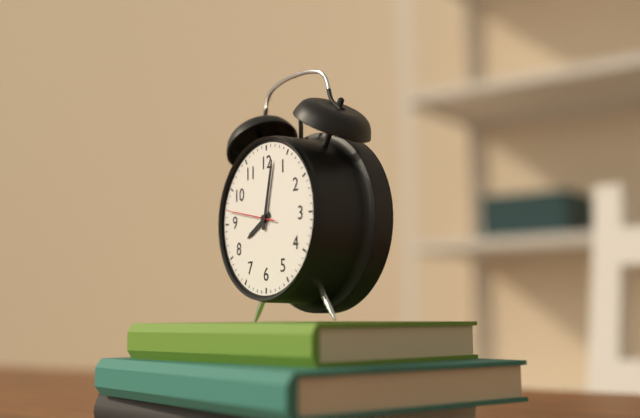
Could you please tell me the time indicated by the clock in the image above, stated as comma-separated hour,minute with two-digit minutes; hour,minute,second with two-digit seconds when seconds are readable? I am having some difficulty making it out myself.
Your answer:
8,02
